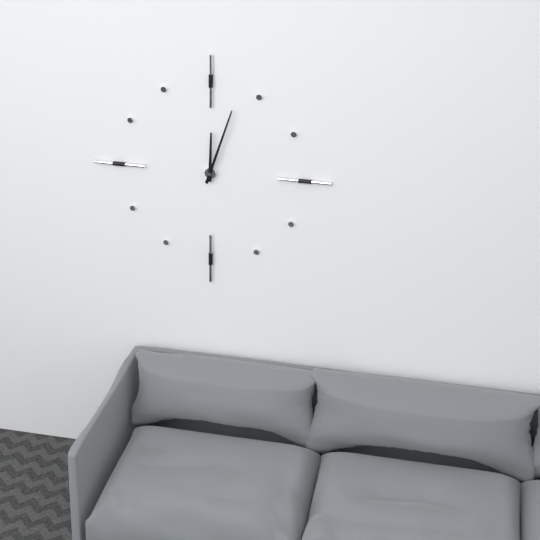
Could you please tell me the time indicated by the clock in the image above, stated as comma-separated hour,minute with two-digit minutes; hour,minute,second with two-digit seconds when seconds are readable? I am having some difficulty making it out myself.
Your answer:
12,03
